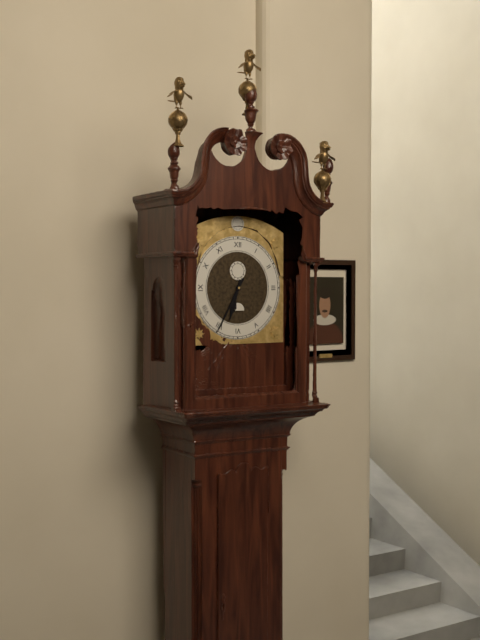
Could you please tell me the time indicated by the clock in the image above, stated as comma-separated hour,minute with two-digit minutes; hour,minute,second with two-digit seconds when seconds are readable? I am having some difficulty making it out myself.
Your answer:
6,35
